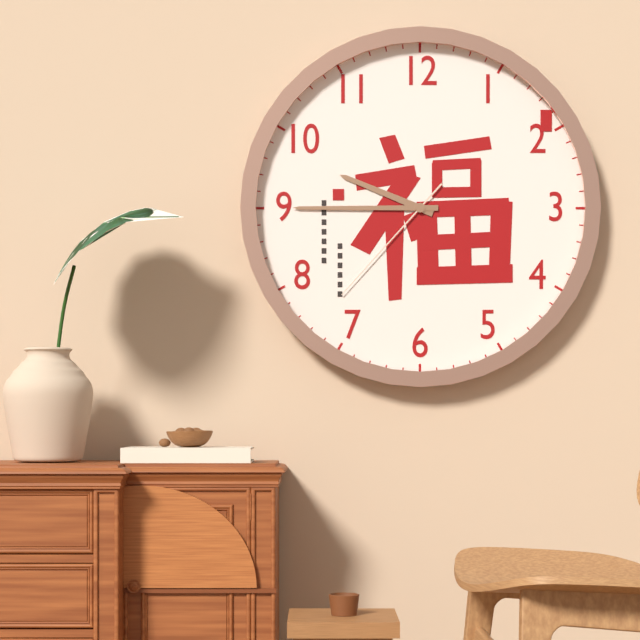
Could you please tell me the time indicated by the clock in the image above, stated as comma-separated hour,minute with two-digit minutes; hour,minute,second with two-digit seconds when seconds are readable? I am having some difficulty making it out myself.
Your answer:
9,45,37
